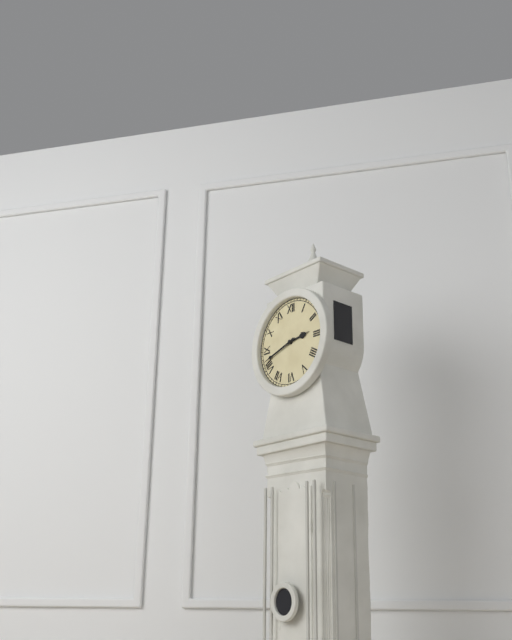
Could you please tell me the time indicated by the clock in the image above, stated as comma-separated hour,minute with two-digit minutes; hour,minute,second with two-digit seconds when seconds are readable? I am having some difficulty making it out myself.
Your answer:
2,42
